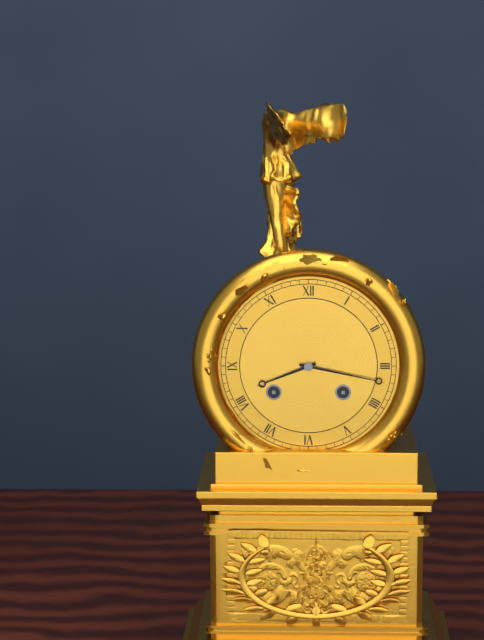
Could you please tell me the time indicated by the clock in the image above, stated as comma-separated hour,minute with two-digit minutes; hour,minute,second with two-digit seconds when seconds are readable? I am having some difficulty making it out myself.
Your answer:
8,17
